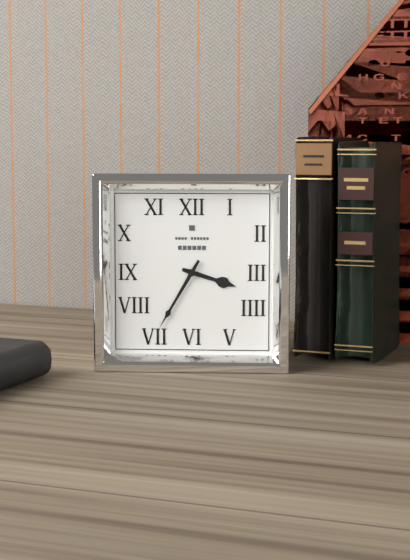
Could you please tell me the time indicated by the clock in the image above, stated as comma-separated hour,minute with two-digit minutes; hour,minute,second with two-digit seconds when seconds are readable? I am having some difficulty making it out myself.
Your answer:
3,35
